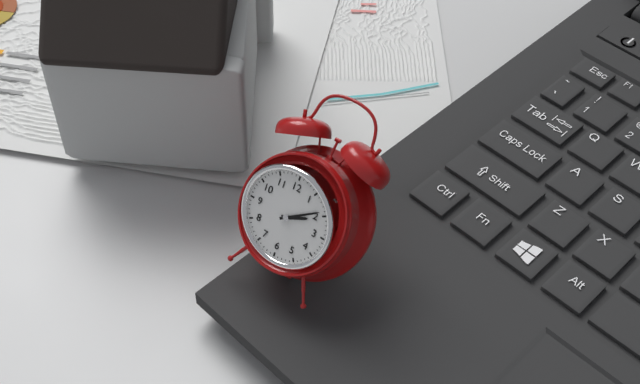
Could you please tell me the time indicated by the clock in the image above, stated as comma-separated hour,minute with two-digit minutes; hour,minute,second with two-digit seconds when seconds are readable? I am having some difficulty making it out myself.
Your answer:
2,09
